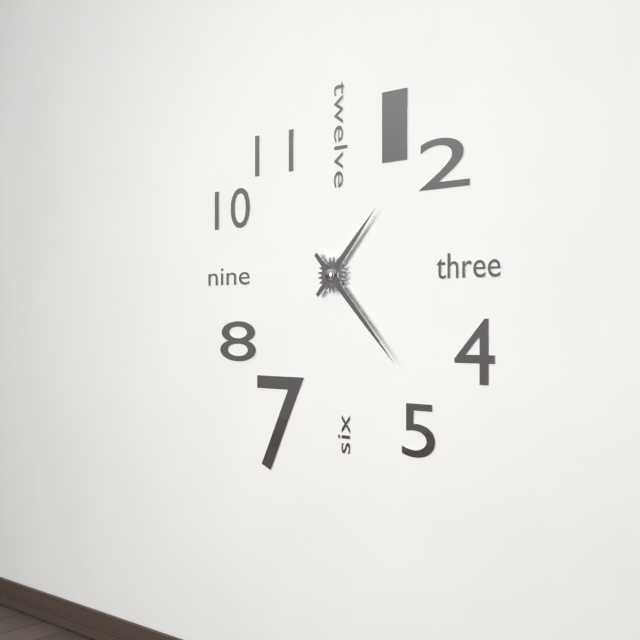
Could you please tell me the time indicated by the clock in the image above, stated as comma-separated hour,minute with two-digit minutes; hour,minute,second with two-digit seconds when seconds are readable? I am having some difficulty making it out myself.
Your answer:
1,23
